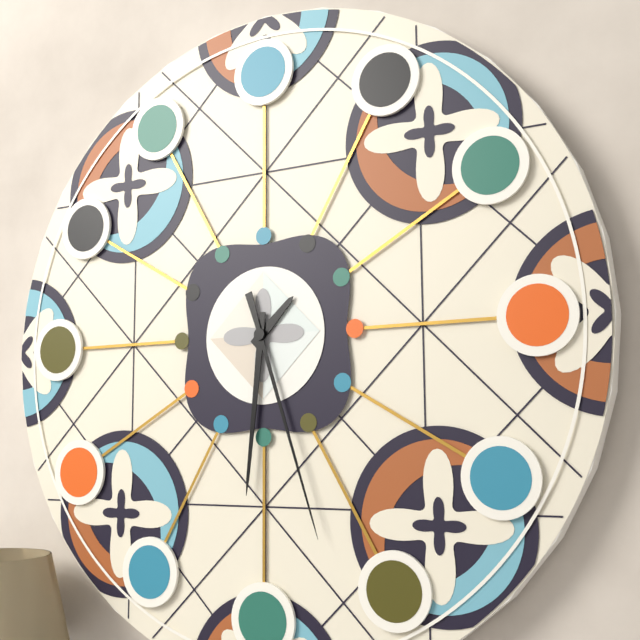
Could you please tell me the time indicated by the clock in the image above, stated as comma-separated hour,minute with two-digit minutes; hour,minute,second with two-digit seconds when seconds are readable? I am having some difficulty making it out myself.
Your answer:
1,31,27
